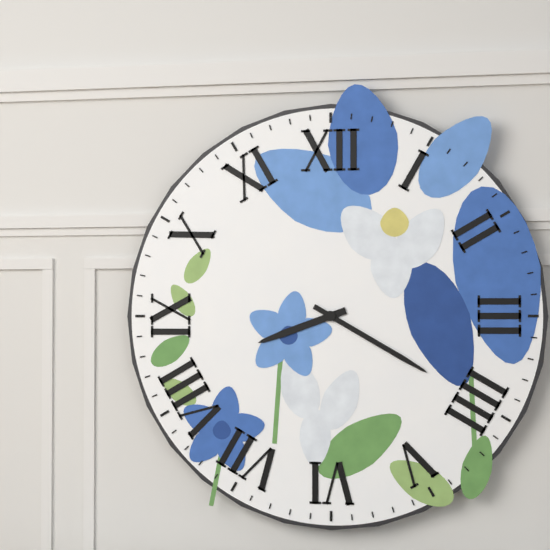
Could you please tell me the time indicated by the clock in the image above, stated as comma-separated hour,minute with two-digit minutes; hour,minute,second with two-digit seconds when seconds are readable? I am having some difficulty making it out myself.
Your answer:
8,20
